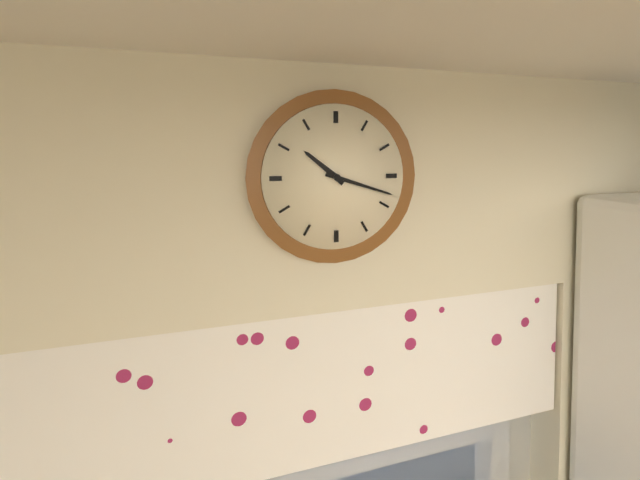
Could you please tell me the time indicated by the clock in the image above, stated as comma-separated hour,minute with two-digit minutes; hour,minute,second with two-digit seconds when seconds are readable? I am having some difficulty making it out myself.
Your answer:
10,18
